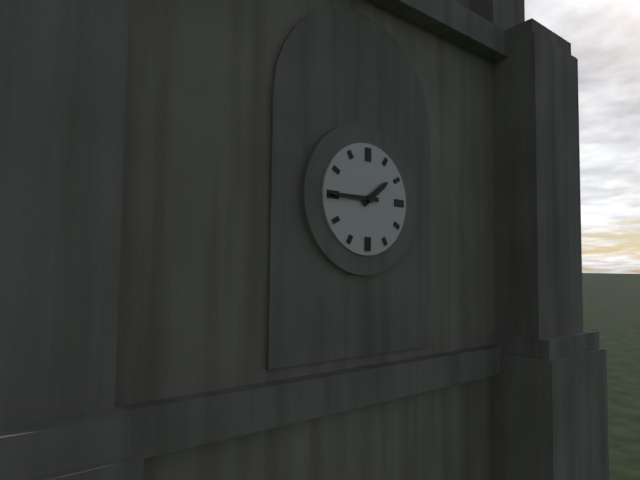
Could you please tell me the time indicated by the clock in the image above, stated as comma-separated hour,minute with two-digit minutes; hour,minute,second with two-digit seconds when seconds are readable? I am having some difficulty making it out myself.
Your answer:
1,45
